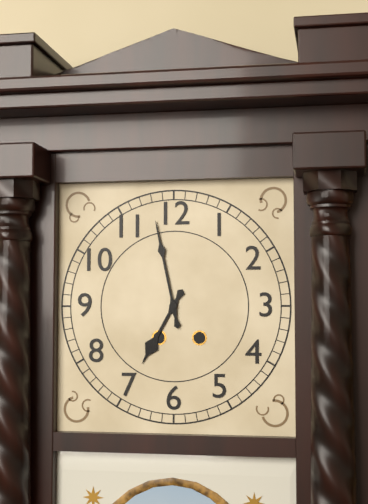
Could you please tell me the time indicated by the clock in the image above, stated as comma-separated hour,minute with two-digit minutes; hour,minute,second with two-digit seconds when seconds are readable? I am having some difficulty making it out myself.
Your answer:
6,58
